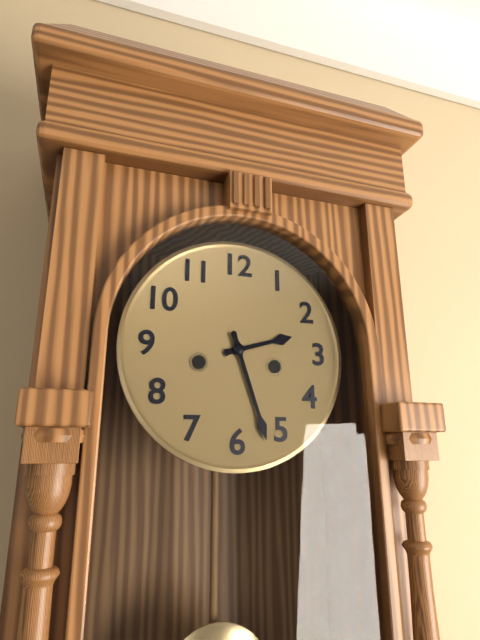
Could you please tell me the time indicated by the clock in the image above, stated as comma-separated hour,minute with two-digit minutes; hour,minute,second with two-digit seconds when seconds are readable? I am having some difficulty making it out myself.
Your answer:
2,27
